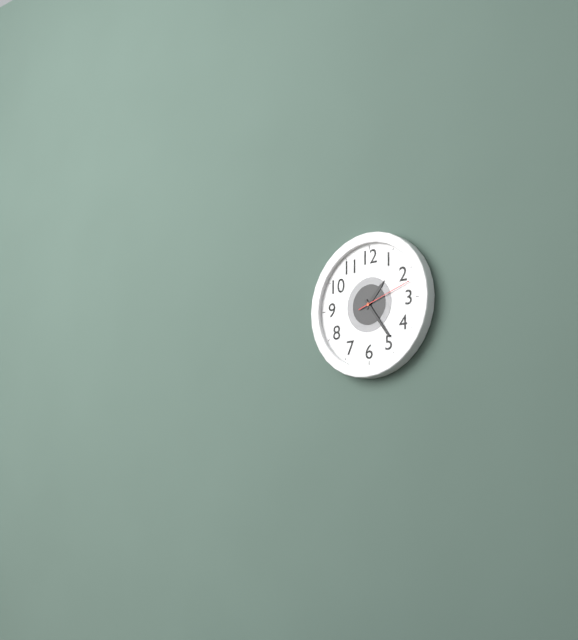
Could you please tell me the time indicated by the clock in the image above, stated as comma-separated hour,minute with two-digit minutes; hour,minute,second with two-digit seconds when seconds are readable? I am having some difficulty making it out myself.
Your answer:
1,24,12
